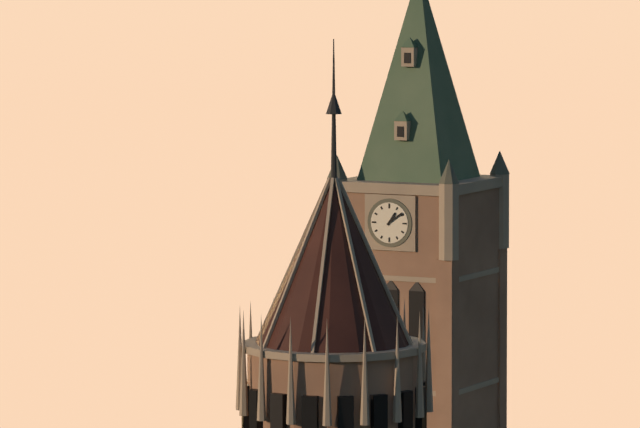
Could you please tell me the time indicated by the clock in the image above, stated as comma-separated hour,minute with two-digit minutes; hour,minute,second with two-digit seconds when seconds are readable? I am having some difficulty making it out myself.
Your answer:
1,09
